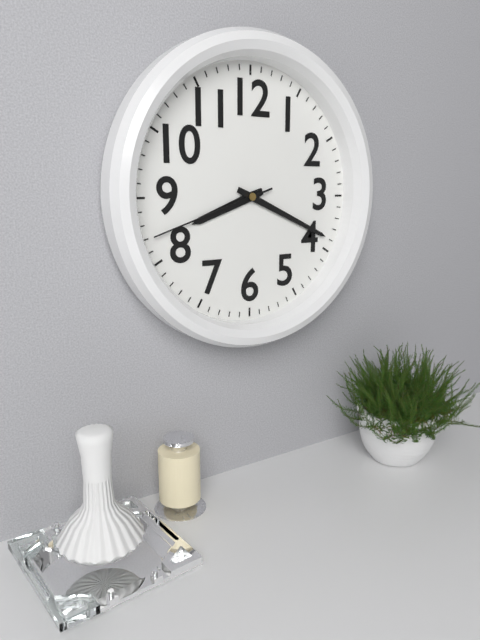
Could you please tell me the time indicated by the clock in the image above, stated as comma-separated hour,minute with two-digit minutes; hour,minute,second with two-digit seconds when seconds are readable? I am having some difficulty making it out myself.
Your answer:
8,19,42
